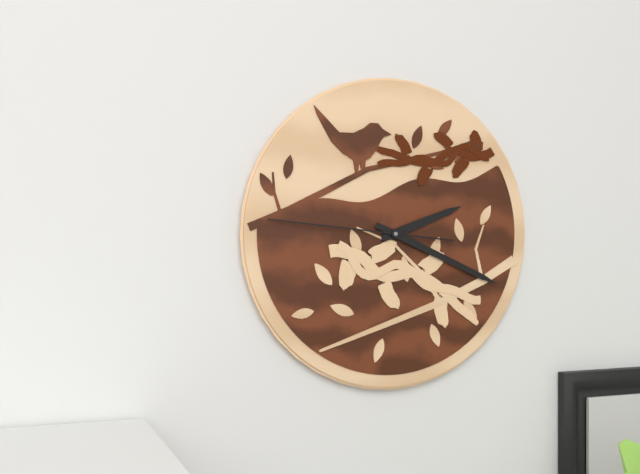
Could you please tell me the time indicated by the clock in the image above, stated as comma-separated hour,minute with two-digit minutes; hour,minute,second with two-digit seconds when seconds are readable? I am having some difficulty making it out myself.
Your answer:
2,19,46
